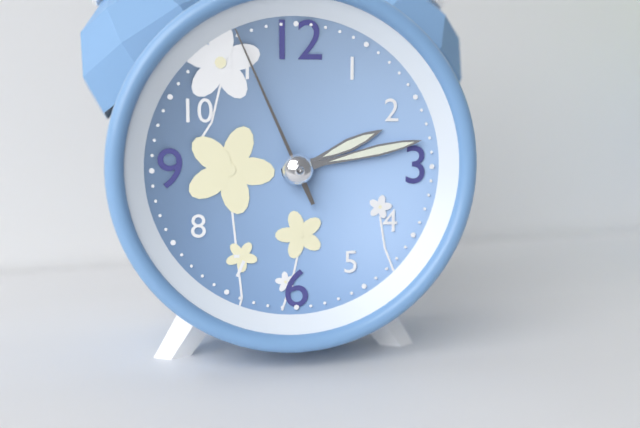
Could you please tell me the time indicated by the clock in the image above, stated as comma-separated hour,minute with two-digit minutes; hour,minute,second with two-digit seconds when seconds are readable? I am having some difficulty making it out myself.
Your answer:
2,13,56
